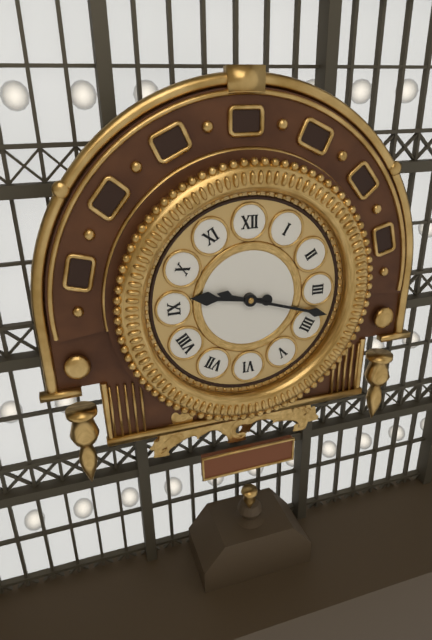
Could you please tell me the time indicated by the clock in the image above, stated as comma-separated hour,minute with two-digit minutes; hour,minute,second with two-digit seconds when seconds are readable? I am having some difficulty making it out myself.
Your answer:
9,18
